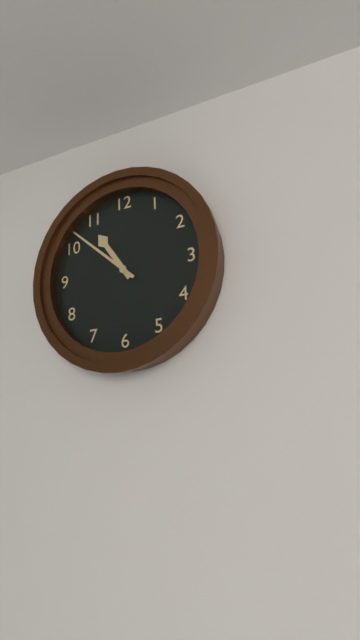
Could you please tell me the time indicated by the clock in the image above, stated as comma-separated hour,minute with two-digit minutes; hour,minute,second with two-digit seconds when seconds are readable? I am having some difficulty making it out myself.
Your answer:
10,52
